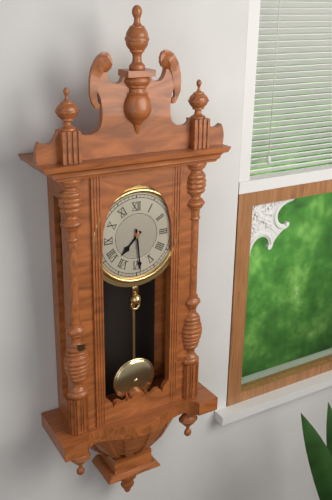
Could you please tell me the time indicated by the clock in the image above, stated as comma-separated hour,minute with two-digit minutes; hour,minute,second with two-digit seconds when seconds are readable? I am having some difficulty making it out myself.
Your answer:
7,29
